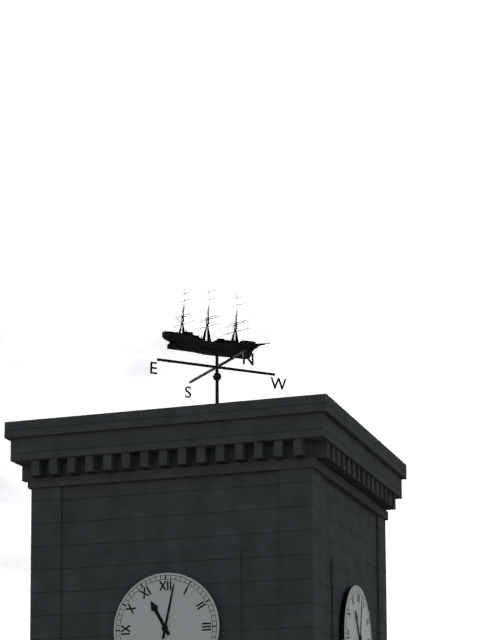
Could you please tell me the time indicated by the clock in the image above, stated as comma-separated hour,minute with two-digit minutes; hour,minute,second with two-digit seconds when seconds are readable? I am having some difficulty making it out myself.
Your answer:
11,02
